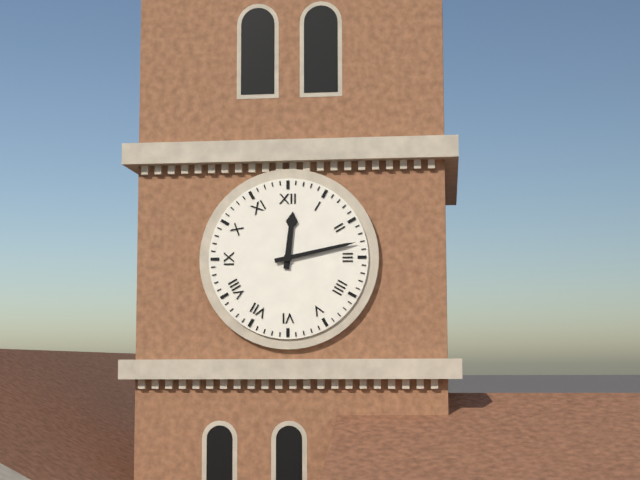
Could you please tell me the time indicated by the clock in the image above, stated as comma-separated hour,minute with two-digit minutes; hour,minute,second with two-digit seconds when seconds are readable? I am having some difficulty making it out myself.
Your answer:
12,13
